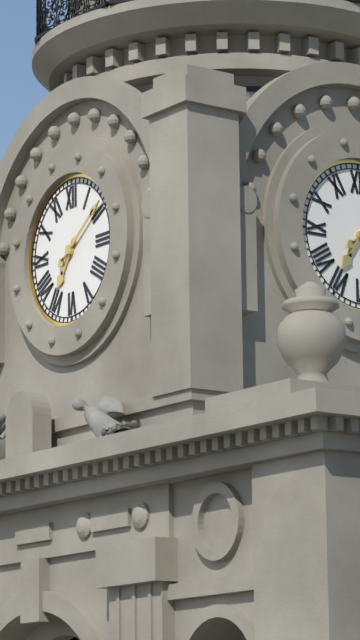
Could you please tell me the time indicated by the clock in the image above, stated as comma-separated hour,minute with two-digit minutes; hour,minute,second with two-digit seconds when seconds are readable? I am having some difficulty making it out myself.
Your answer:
7,09
